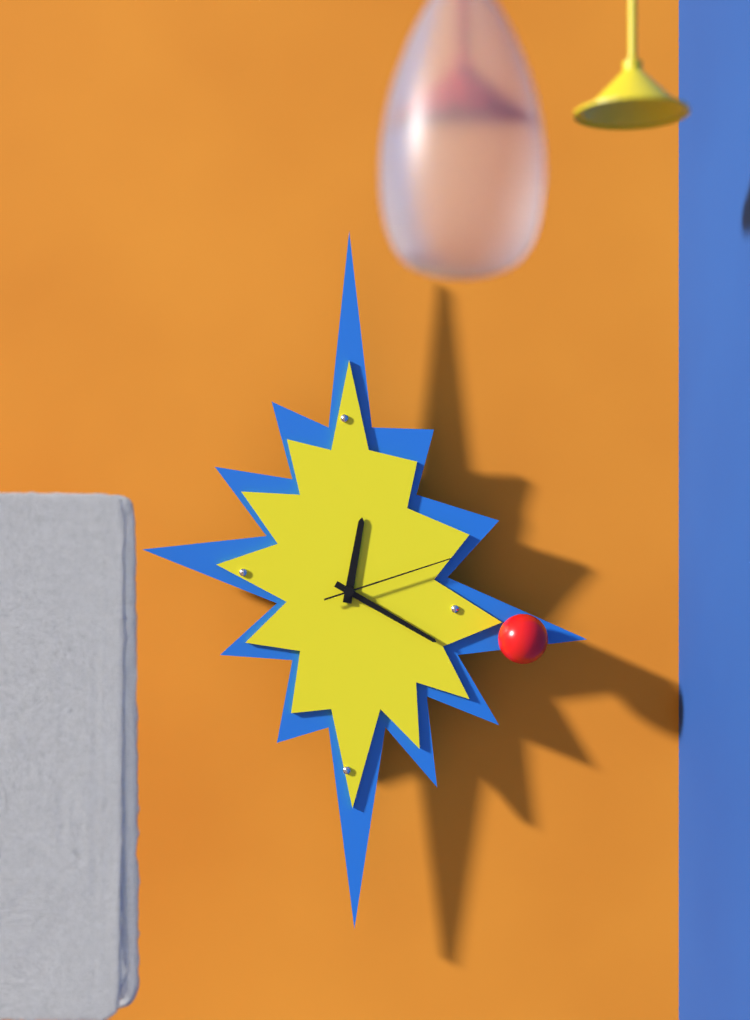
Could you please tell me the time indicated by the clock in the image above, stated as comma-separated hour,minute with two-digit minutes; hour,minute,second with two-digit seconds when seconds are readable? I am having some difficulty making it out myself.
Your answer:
12,20,12
